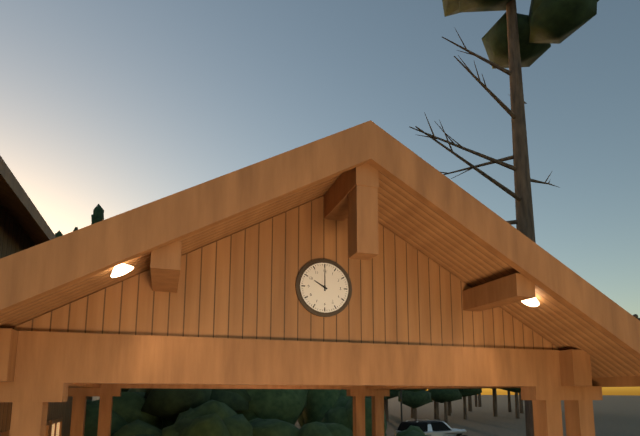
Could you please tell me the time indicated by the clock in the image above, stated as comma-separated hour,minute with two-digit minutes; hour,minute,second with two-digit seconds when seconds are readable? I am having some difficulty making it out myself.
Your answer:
10,00
